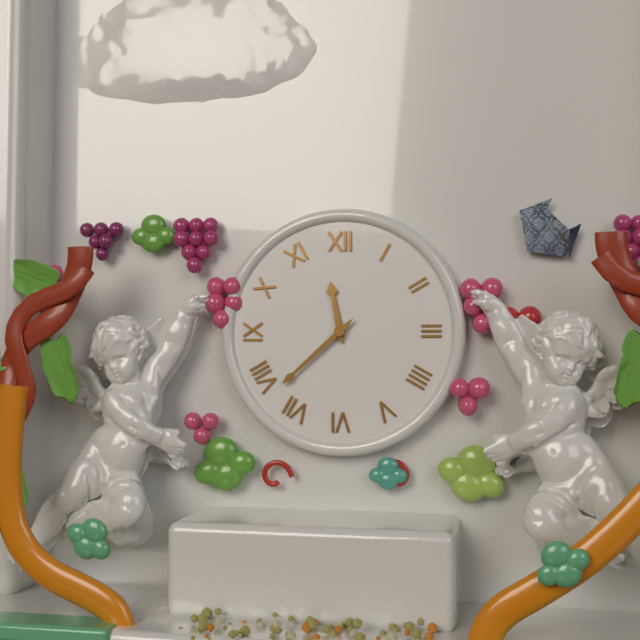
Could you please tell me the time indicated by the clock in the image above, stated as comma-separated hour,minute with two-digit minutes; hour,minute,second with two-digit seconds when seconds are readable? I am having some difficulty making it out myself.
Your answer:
11,38
